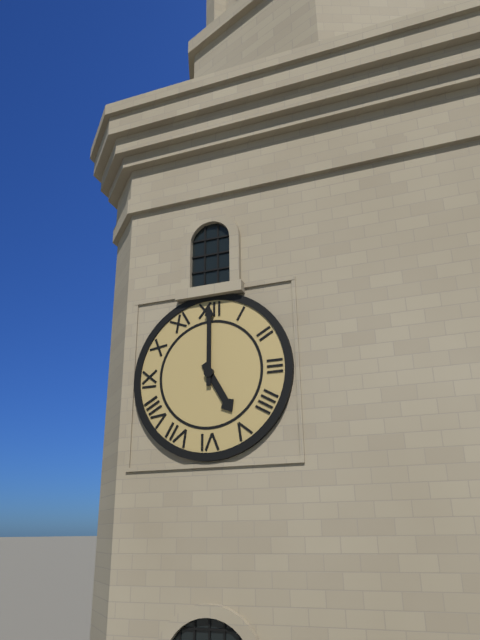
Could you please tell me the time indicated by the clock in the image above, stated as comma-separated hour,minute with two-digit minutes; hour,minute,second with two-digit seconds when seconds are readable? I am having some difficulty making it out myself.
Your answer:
5,00
